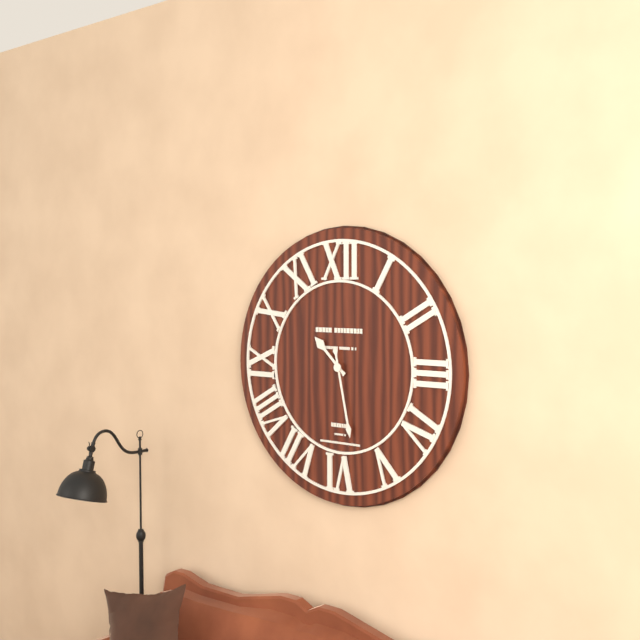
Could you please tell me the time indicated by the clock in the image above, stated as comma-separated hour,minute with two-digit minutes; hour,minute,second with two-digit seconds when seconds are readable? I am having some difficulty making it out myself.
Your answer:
10,28
